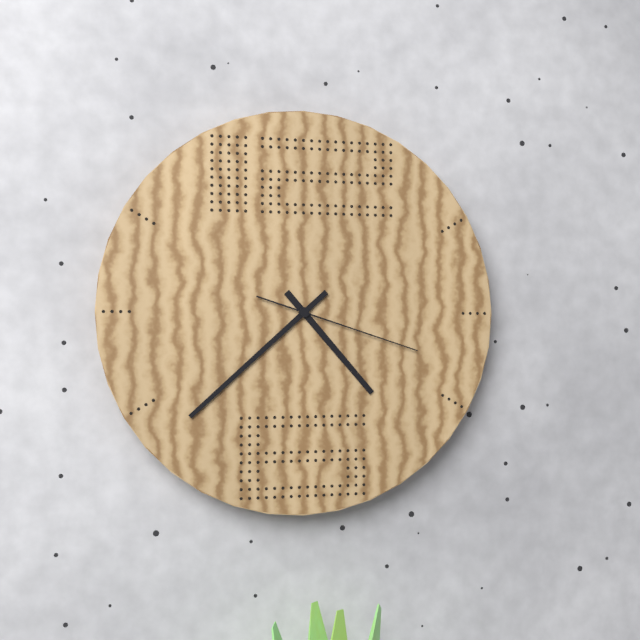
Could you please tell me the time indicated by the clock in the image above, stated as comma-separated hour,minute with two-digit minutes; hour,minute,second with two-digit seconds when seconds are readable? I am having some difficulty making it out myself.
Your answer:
4,38,18
